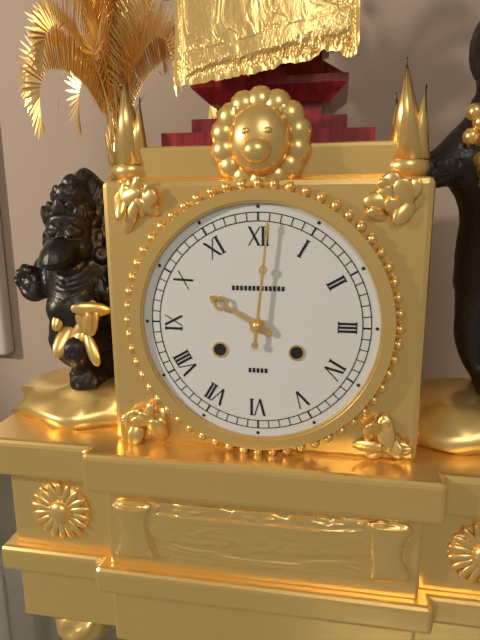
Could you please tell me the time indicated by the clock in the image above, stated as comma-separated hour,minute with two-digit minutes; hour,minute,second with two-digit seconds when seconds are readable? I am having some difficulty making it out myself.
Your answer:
10,01
